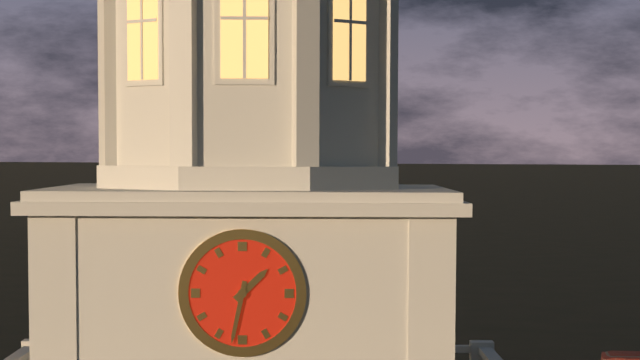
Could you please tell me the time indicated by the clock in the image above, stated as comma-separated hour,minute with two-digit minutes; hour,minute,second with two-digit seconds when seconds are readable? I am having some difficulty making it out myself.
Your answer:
1,32
